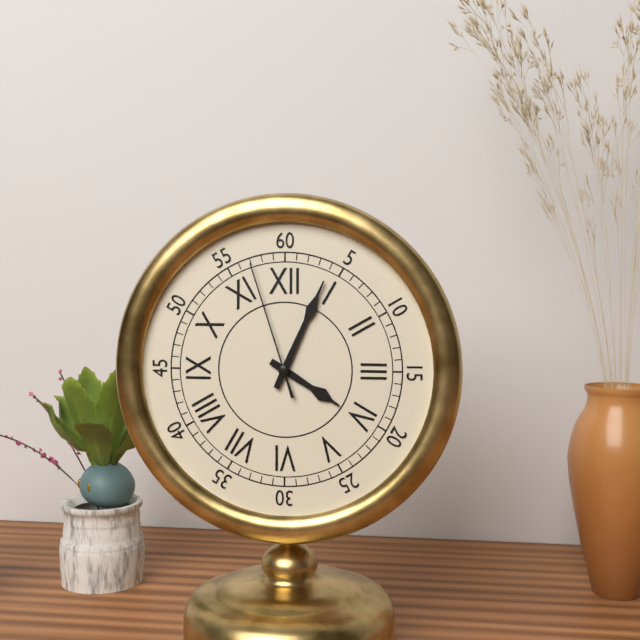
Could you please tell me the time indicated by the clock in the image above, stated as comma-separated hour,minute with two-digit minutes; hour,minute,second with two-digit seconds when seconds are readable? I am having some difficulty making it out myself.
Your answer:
4,04,57
